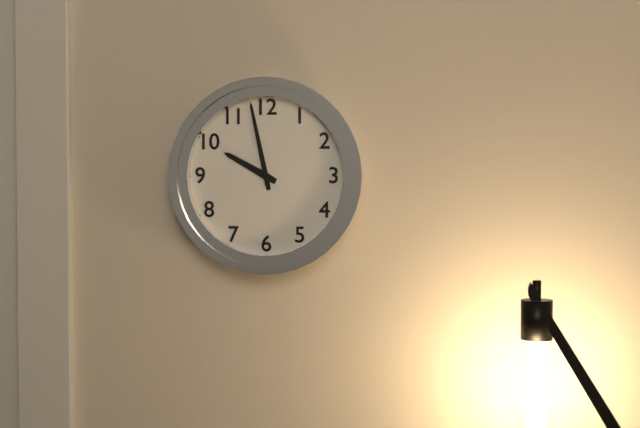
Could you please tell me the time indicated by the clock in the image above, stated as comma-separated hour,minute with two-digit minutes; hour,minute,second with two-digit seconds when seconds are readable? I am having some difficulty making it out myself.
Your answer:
9,58
